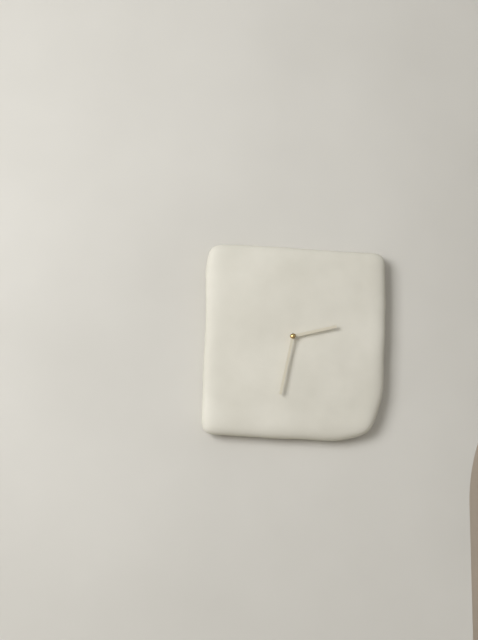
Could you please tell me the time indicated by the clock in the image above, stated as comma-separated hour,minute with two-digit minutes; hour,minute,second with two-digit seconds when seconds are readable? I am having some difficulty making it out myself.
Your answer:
2,32
